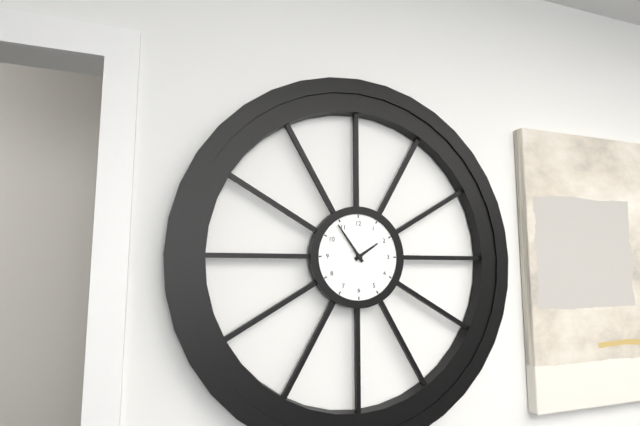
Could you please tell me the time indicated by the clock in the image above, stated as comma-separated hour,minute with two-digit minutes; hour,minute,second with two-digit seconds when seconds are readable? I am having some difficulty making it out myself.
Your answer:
1,54
